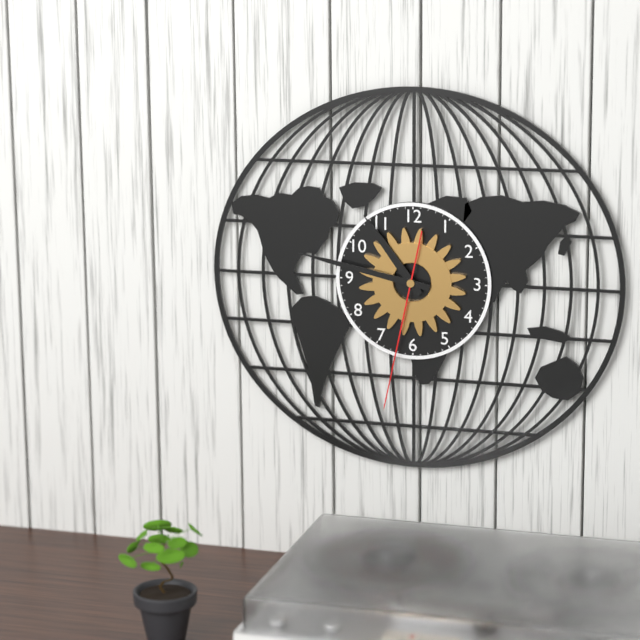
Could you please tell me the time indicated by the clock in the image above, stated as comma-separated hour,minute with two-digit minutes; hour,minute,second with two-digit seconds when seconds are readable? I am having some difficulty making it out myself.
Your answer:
10,47,32
